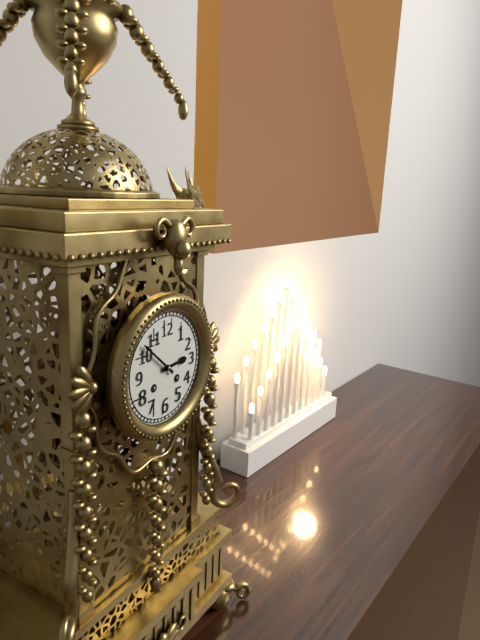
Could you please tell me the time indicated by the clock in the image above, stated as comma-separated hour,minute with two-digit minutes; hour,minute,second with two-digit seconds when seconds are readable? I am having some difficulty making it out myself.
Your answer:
2,52
